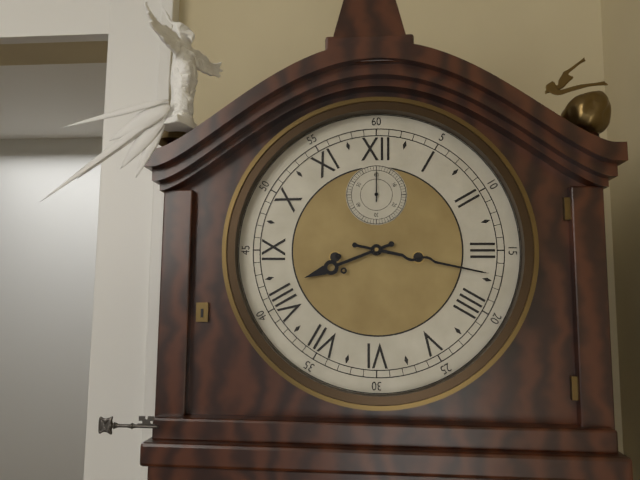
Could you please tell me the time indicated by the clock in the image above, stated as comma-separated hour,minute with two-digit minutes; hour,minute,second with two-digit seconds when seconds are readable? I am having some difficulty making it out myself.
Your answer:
8,17
